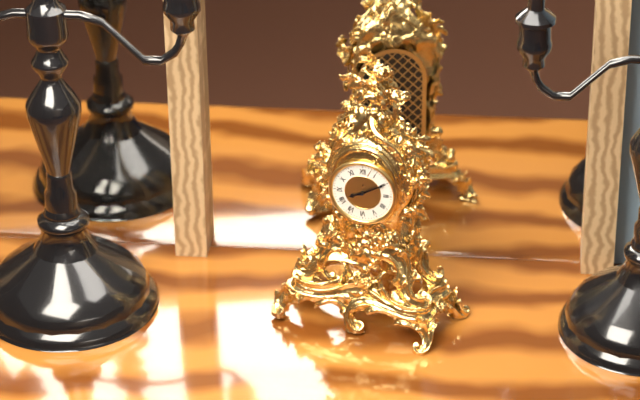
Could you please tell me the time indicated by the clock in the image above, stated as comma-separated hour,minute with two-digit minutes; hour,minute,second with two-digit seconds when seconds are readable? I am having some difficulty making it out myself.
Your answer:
8,10
